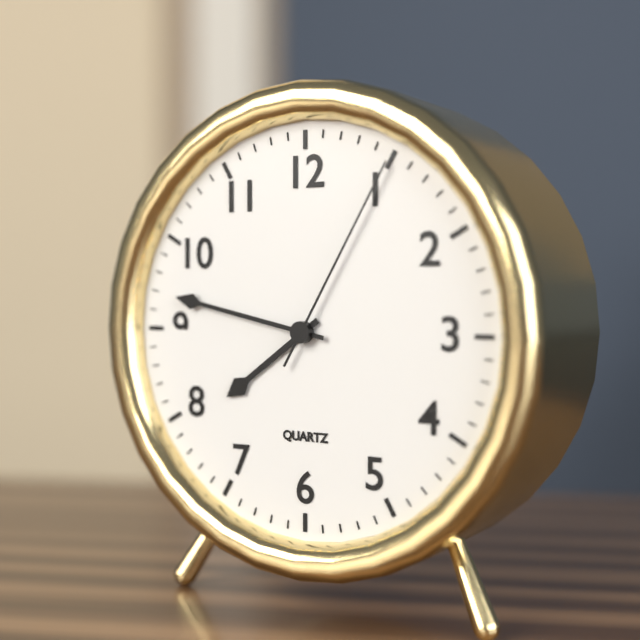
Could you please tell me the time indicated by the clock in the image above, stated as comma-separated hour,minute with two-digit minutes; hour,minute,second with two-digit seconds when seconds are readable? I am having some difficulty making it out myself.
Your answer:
7,47,05
